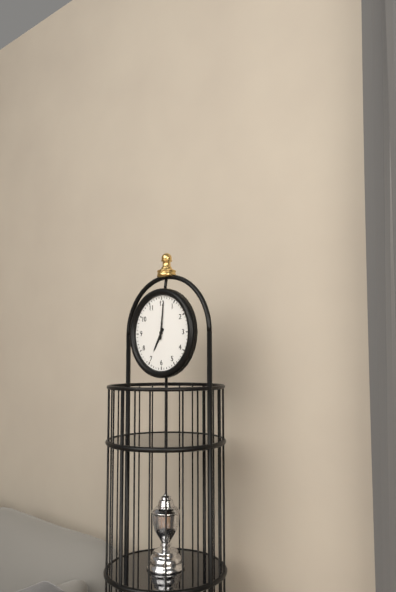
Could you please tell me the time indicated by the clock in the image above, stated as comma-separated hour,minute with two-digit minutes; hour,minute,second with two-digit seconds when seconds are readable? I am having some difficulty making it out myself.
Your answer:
7,01
